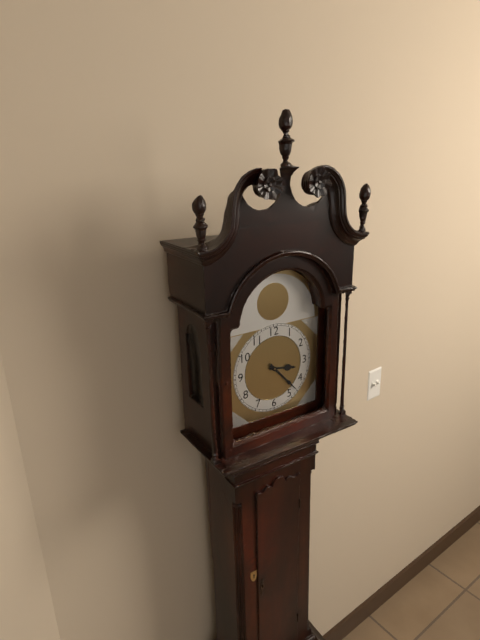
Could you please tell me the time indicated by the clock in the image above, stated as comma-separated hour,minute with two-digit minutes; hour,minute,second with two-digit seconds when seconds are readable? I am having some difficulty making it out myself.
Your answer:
3,23
